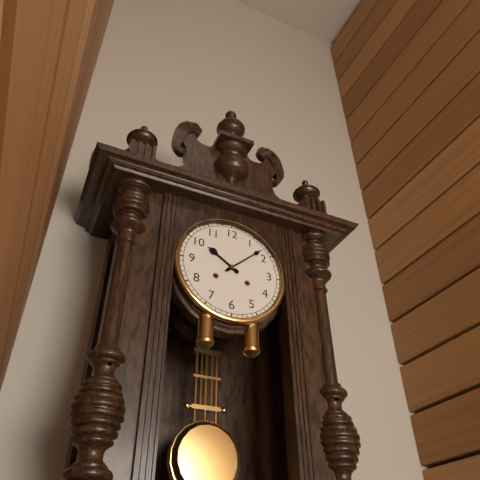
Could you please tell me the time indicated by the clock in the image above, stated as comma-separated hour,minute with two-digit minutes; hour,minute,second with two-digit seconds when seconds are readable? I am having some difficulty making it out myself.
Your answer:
10,08
